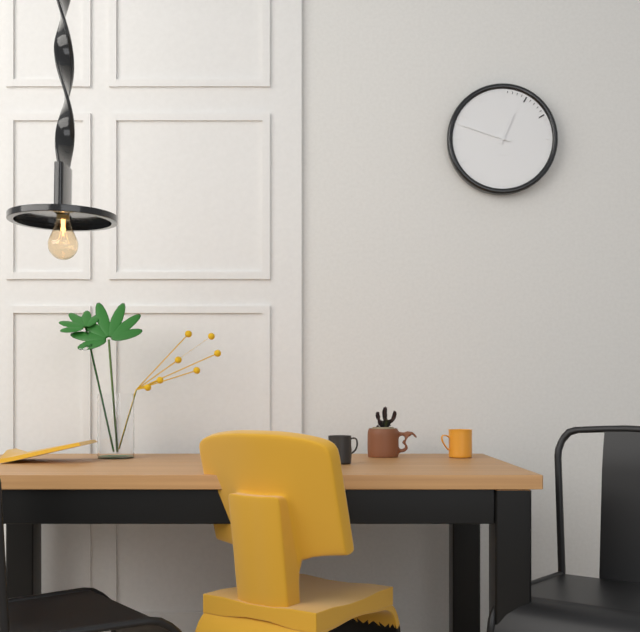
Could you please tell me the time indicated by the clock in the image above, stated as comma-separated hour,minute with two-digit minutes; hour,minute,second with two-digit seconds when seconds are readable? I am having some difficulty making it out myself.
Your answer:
12,48
